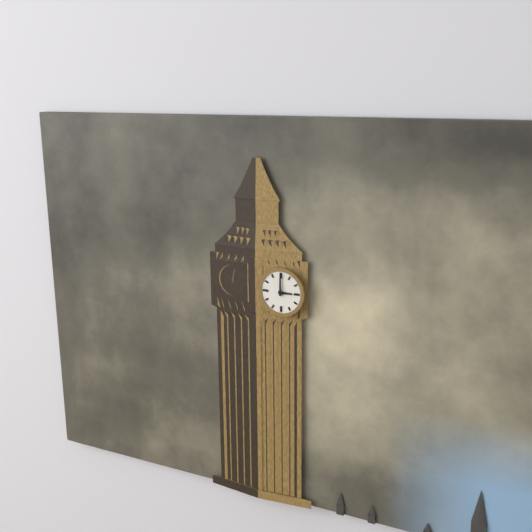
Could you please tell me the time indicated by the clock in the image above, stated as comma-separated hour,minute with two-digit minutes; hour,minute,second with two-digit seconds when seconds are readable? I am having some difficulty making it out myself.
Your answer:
3,00
